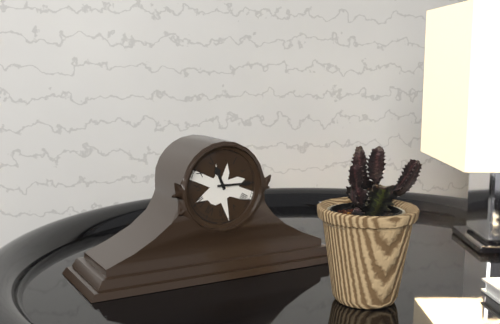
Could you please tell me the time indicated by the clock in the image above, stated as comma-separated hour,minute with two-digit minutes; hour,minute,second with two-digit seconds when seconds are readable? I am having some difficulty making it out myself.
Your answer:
11,15
